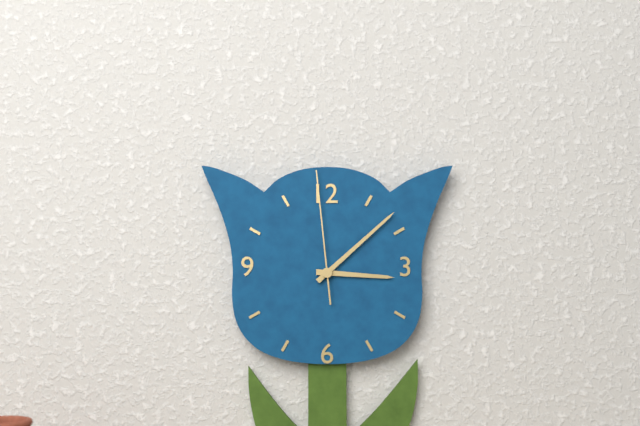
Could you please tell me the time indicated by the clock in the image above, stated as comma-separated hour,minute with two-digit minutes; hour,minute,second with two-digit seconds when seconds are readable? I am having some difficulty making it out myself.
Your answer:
3,08,59
